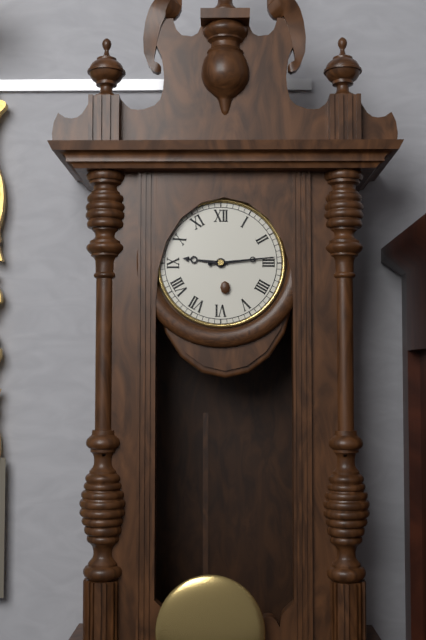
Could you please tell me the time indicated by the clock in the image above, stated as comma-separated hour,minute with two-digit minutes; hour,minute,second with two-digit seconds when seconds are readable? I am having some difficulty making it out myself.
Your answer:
9,14
